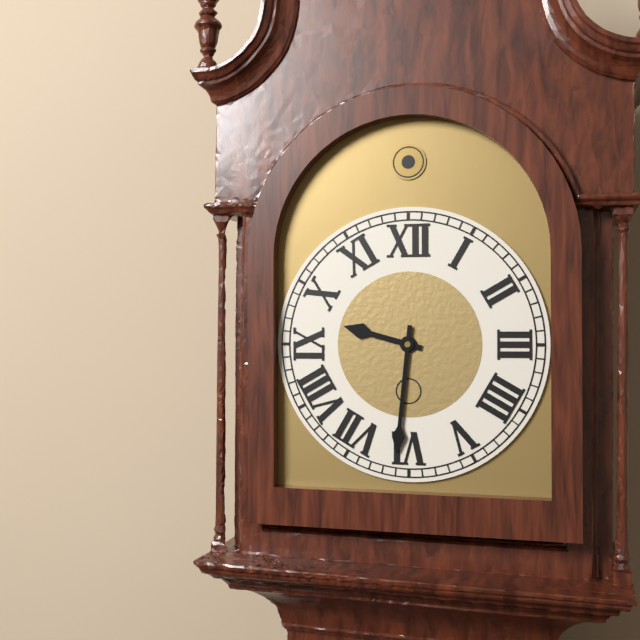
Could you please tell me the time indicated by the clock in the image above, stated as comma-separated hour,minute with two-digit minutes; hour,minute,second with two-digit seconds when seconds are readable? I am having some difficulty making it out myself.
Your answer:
9,31
